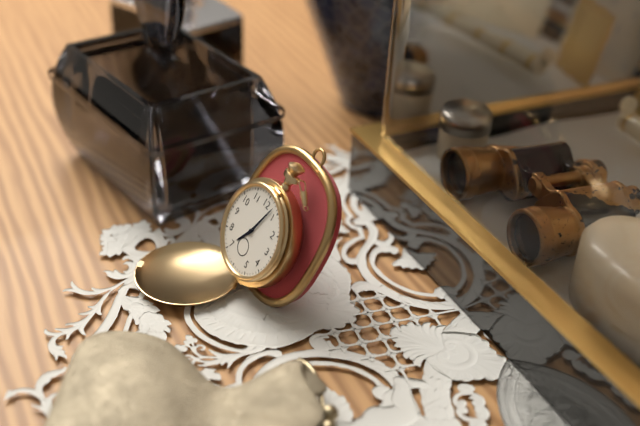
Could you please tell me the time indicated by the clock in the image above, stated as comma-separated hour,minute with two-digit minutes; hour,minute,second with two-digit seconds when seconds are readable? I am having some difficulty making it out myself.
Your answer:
7,03
